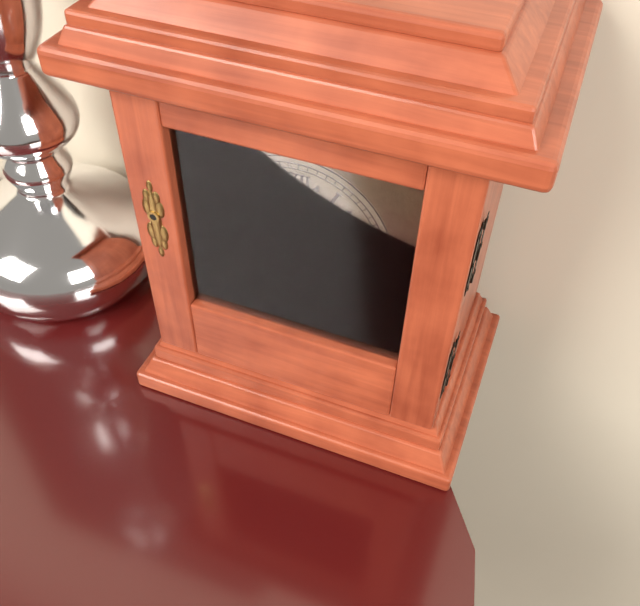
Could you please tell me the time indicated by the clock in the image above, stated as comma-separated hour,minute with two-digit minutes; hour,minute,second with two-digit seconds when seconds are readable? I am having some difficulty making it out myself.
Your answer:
1,46
